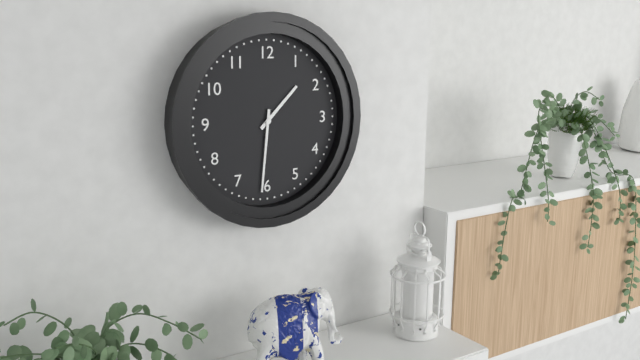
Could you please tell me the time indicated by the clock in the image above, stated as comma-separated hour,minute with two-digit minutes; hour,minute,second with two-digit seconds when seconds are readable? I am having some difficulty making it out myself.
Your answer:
1,31
